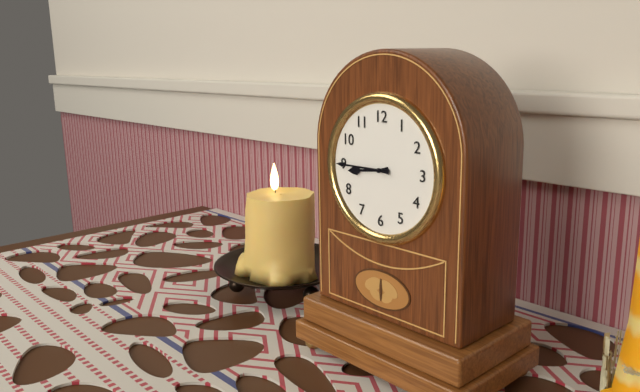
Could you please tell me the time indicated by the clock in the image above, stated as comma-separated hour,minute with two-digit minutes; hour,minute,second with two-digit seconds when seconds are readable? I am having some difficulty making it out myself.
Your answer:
8,45
